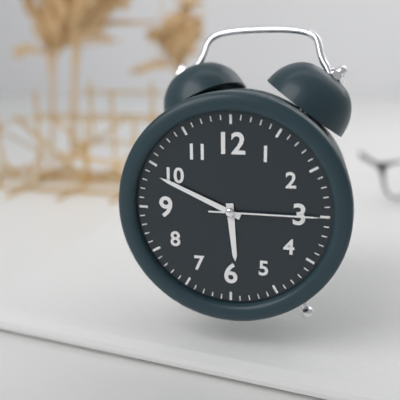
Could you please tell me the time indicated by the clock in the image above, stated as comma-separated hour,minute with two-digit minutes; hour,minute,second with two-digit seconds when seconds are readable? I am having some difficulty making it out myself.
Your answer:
5,49,15
